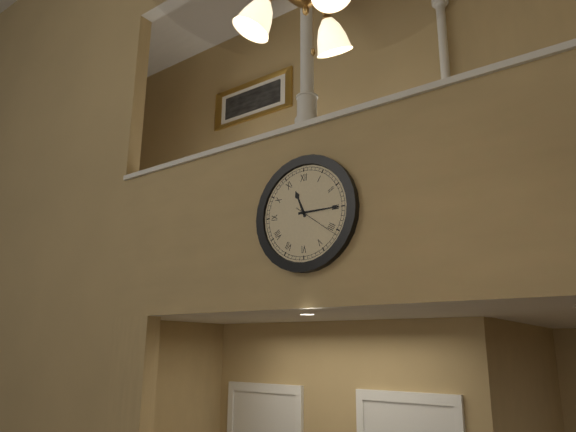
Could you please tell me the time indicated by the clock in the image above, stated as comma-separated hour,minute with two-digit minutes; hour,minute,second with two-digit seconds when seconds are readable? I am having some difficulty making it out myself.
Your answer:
11,15
